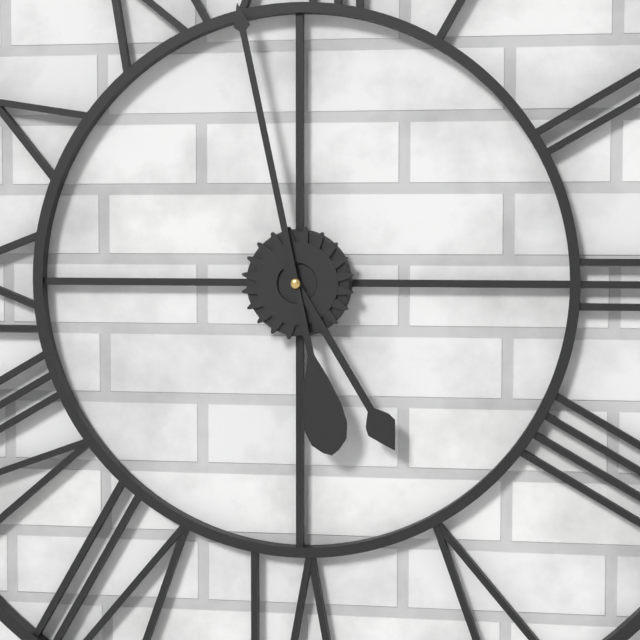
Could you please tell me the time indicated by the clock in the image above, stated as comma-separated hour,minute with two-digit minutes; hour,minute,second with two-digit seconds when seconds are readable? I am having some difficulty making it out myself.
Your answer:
4,58
